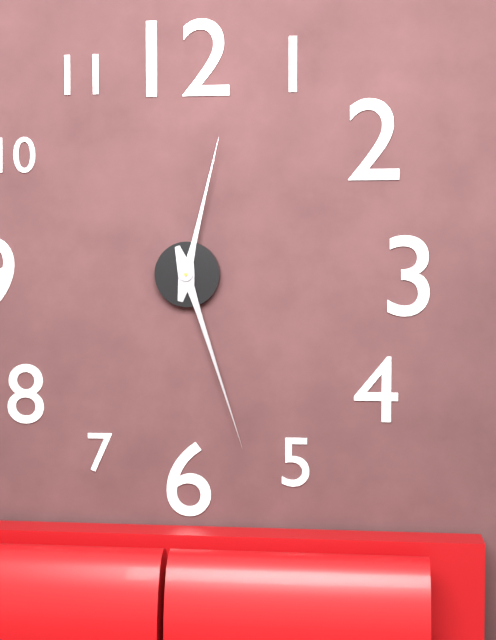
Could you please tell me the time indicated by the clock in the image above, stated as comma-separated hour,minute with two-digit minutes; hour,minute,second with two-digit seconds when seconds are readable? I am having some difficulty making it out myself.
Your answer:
12,27
